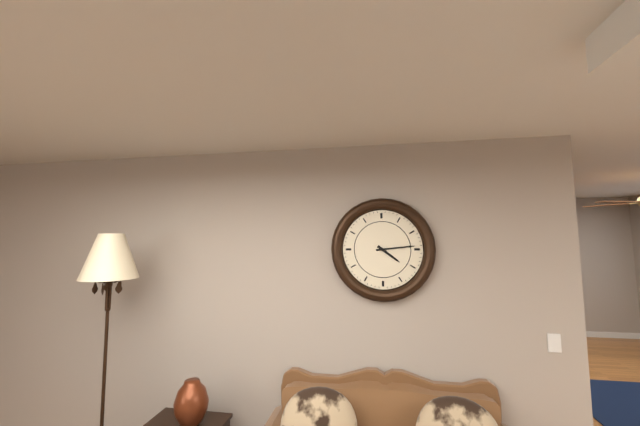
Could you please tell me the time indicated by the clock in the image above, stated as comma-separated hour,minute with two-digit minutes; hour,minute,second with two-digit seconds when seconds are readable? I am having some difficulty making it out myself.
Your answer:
4,14
